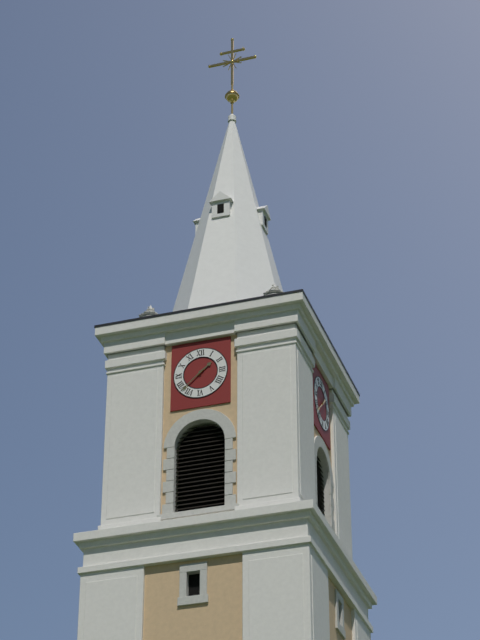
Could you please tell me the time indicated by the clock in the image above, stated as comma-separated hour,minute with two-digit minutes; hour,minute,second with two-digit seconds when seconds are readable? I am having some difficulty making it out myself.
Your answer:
1,38
